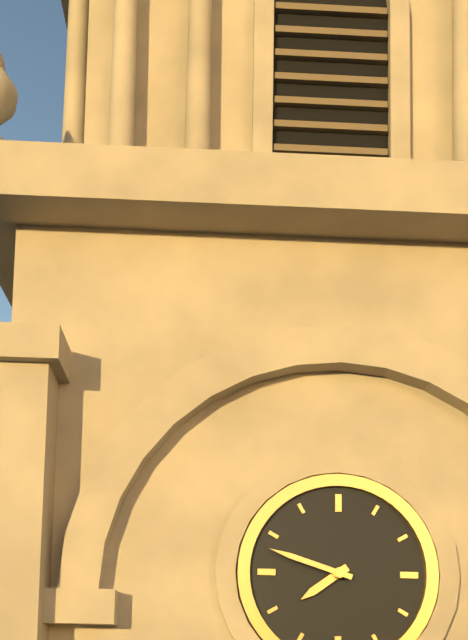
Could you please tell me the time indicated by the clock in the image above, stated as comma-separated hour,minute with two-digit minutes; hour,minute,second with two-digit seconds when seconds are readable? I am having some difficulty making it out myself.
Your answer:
7,48
